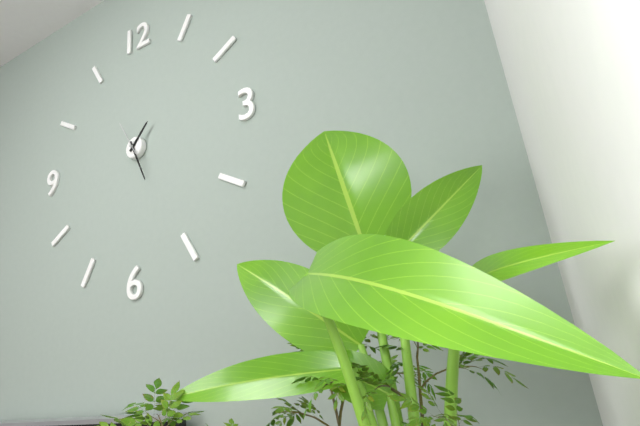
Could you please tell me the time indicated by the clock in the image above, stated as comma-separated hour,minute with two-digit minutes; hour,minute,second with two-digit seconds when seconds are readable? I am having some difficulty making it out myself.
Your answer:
1,26
